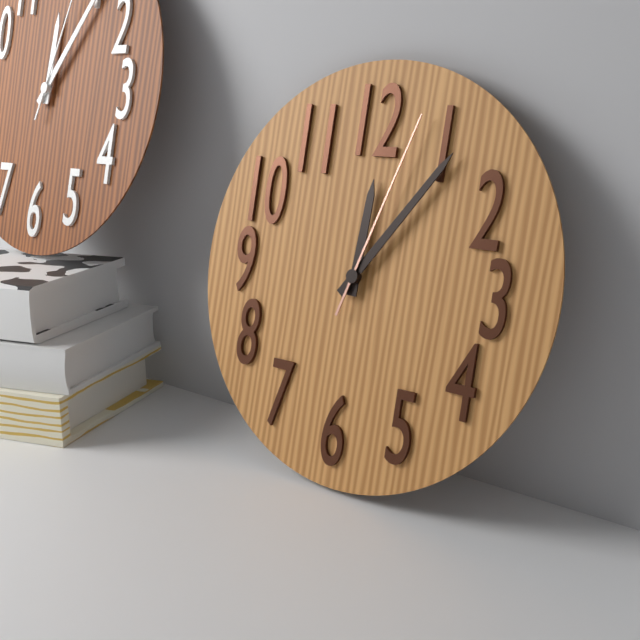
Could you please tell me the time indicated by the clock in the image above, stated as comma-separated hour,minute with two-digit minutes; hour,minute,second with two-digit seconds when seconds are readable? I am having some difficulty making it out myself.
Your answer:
12,06,03
